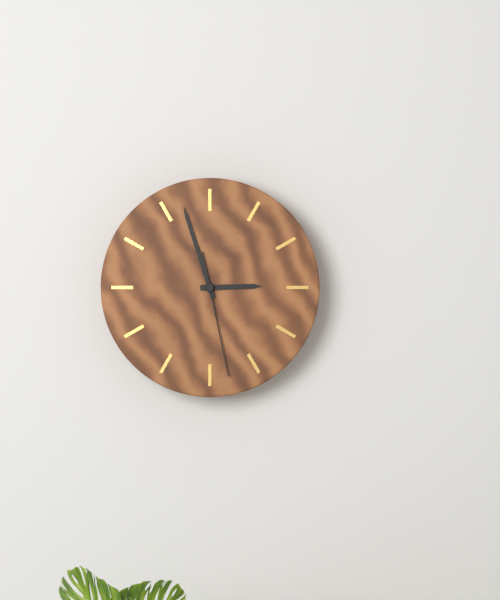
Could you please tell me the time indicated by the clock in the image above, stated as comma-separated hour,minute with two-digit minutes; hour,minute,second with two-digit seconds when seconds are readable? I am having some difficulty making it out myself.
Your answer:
2,57,28
